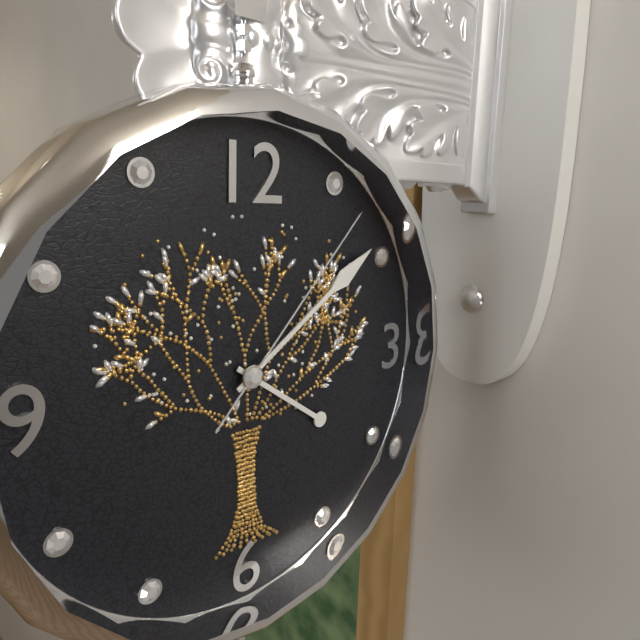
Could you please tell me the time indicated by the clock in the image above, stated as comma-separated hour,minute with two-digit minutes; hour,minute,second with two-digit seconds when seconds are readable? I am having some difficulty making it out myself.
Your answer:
4,09,07
